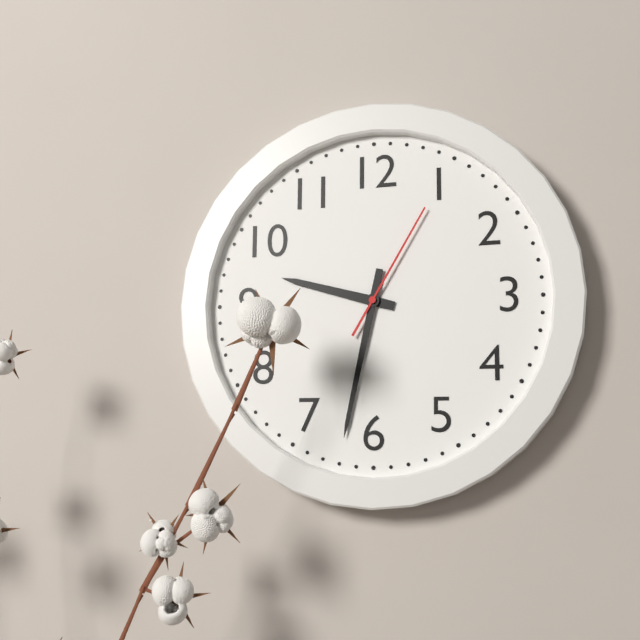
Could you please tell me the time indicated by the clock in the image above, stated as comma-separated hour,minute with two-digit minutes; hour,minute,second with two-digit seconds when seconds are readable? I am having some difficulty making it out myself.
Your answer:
9,32,05
